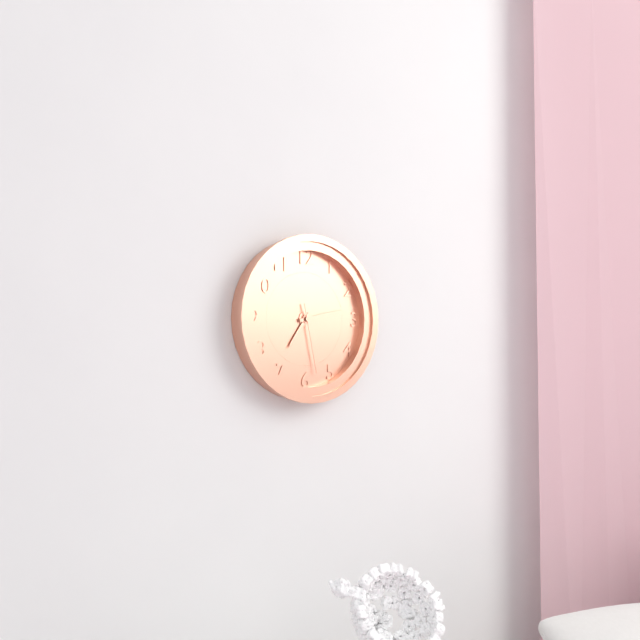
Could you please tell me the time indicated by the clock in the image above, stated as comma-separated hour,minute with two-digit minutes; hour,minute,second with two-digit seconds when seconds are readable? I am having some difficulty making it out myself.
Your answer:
7,13,28
